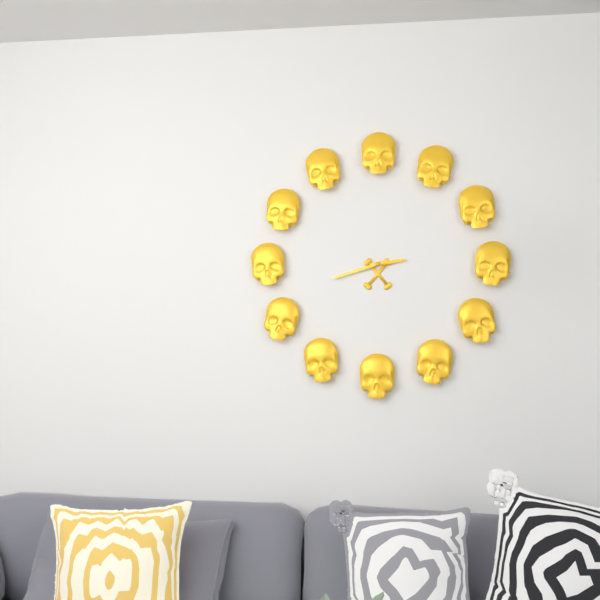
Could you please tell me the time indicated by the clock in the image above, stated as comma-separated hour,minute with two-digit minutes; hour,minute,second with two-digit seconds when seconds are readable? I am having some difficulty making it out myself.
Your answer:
2,42
